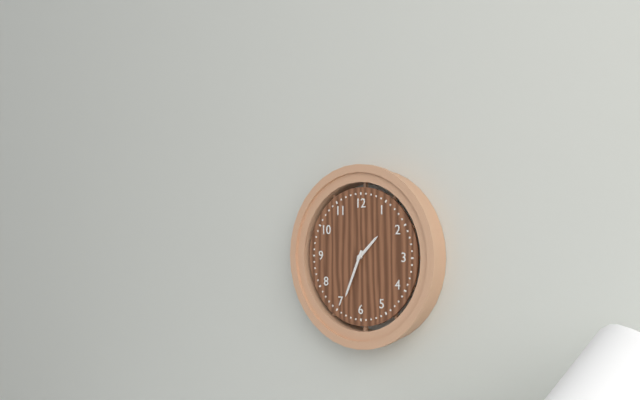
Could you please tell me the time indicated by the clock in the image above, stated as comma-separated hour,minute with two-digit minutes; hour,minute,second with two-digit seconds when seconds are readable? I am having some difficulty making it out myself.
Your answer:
1,34
